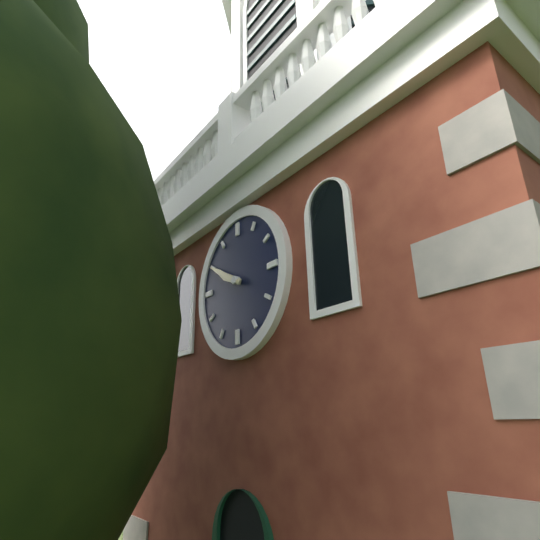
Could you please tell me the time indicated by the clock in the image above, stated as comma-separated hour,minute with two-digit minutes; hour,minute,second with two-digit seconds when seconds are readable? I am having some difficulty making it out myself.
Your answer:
9,50
